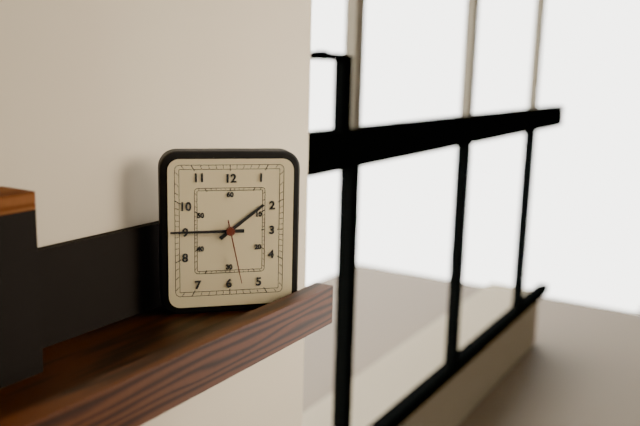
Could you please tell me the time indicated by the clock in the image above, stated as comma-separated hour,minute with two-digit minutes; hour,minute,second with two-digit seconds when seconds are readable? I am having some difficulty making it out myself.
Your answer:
1,45,28
